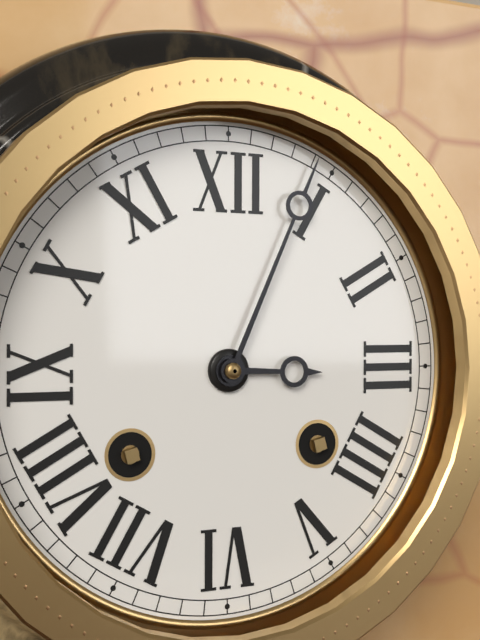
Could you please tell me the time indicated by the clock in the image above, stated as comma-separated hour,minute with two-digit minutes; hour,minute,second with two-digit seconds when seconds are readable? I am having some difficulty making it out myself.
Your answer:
3,04
